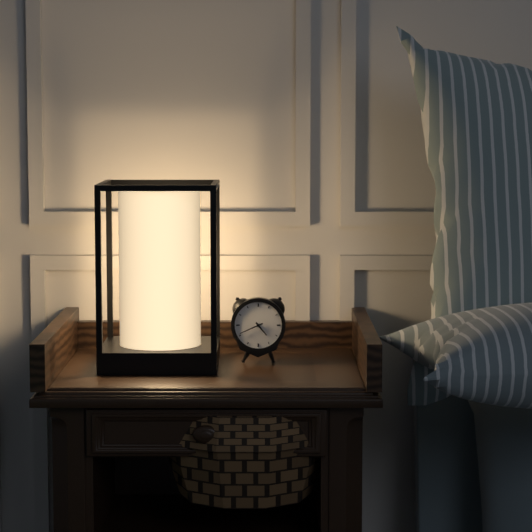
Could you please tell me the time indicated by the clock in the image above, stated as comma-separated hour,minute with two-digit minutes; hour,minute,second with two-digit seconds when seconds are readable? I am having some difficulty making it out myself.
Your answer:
4,41
